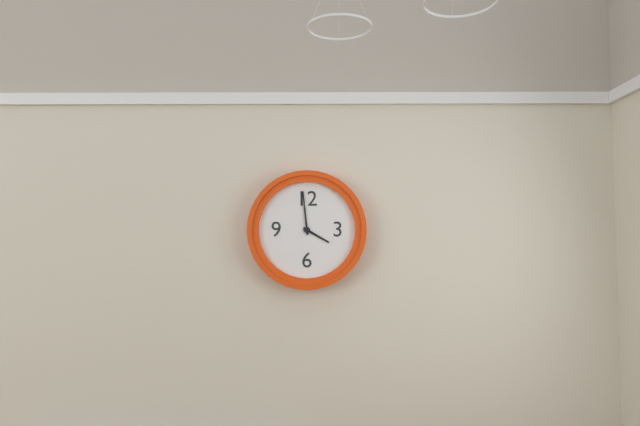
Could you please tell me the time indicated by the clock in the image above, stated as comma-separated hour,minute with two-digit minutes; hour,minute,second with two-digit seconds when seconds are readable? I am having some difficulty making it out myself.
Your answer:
3,59
